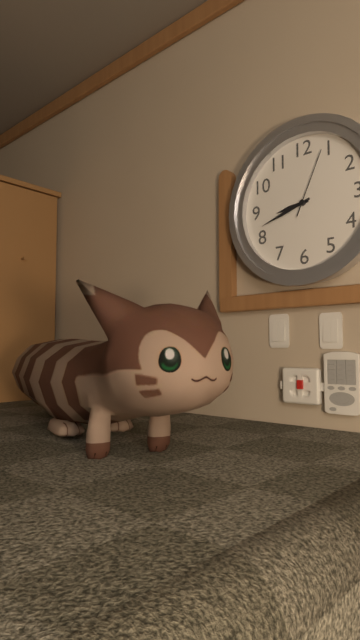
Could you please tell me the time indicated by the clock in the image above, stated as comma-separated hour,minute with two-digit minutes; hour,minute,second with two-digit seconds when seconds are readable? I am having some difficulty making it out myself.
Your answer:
8,42,04
